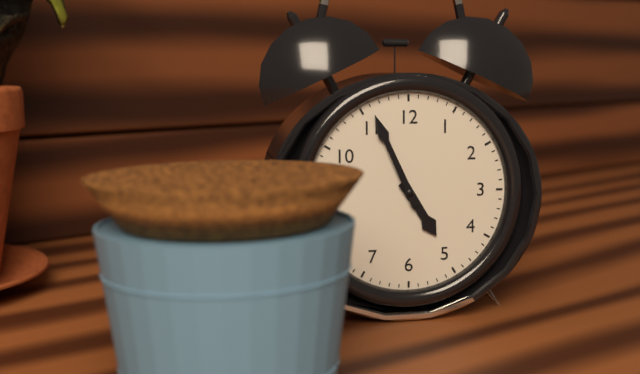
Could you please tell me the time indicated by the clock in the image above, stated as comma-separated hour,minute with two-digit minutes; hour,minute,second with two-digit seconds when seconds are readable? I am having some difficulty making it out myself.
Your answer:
4,56
